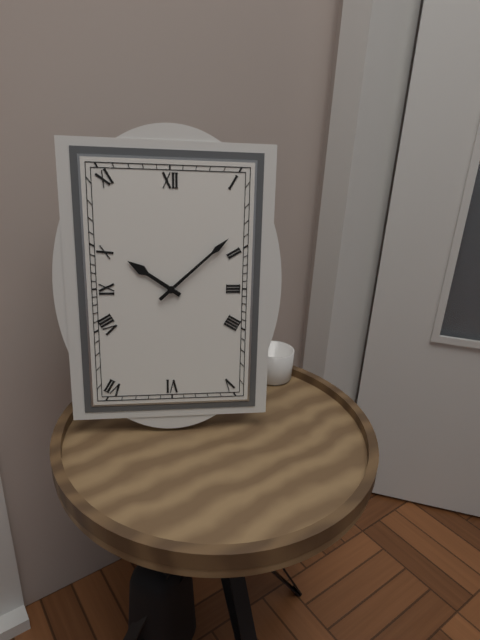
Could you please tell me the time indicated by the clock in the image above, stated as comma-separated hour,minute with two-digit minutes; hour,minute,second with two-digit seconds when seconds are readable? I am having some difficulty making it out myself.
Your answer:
10,08
